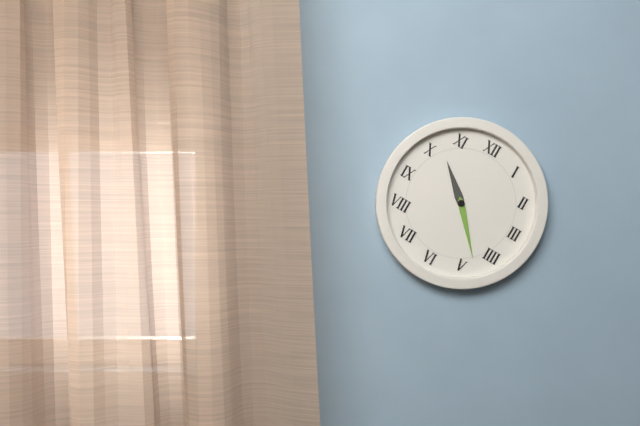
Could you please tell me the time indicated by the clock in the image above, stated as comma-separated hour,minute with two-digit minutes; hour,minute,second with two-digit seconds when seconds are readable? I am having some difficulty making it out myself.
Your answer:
10,23
